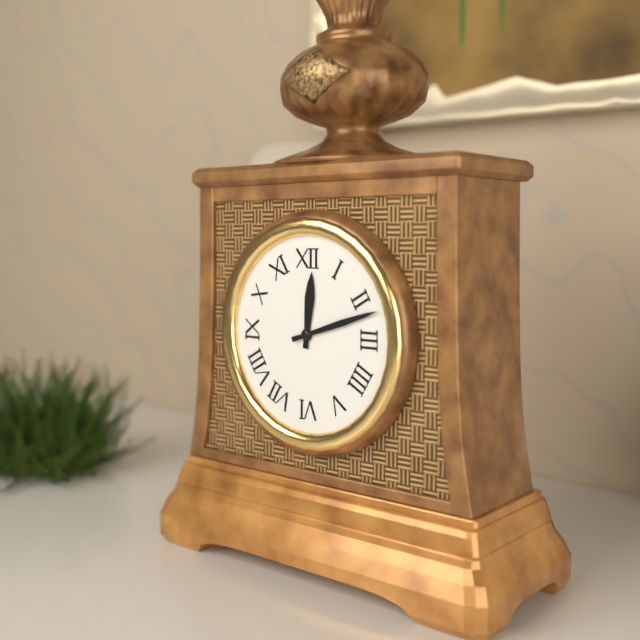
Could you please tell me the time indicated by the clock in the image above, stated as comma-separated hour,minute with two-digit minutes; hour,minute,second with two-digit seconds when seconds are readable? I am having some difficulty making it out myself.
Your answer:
12,12
